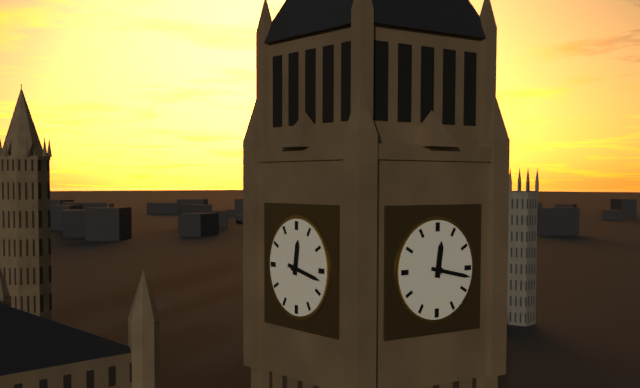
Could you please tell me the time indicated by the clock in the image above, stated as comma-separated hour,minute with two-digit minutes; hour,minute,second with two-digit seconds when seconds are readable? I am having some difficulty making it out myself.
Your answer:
12,17
